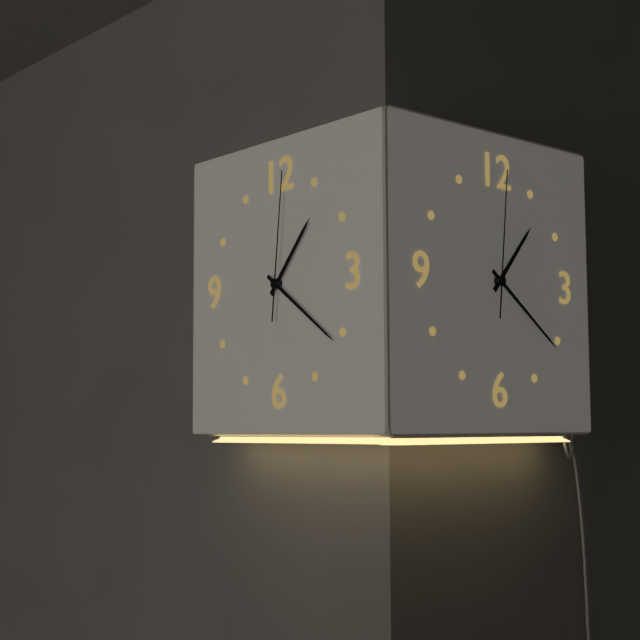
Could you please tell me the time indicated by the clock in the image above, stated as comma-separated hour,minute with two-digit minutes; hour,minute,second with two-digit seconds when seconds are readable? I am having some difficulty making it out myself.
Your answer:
1,21,01
